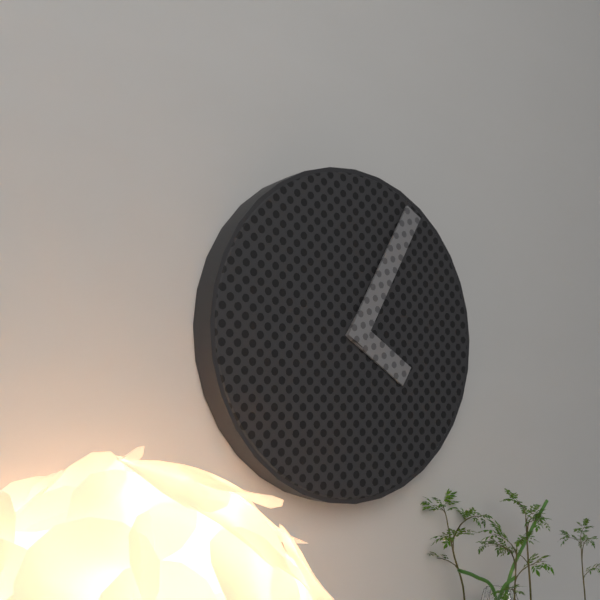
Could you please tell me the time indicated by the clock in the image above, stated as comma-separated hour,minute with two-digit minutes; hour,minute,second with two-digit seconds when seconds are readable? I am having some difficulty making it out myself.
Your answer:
4,05
